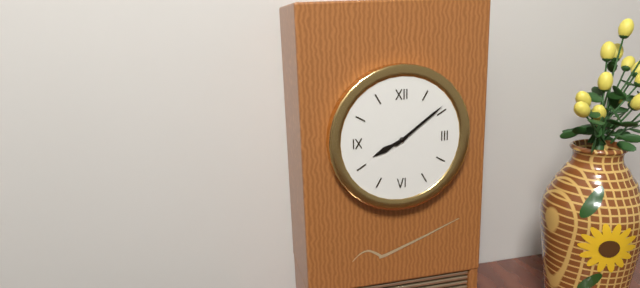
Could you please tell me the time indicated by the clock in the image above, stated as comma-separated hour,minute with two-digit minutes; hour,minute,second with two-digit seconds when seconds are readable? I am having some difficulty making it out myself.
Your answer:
8,09
